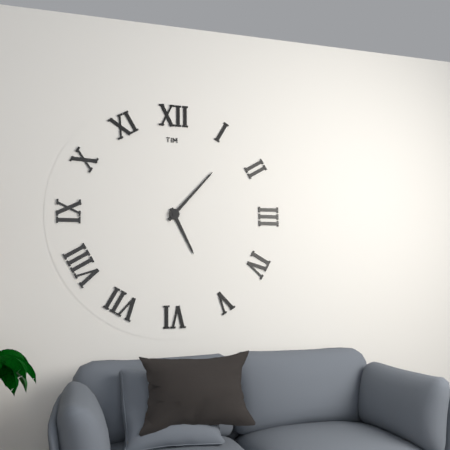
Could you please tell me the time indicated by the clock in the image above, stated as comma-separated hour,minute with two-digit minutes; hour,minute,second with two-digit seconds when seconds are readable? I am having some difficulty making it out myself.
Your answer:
5,07
